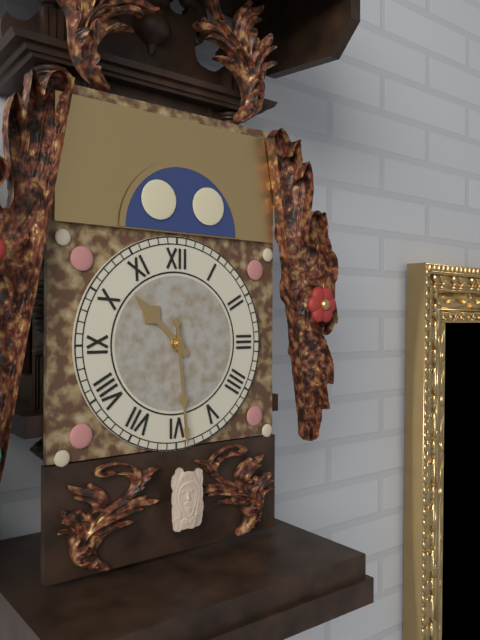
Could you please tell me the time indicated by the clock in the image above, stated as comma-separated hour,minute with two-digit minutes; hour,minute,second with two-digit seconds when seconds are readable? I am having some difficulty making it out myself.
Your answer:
10,29
